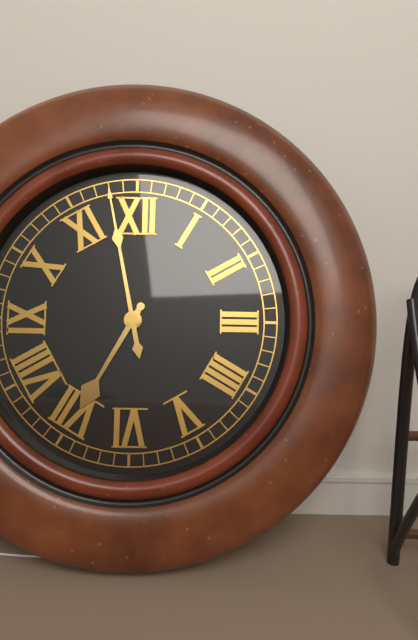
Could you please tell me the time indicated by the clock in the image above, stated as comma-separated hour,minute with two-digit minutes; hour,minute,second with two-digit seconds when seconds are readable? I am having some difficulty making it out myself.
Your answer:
6,58
